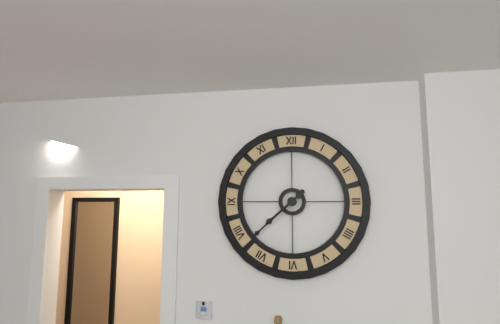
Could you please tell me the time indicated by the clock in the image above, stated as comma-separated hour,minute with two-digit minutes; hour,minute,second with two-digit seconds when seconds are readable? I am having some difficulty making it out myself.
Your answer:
7,38
